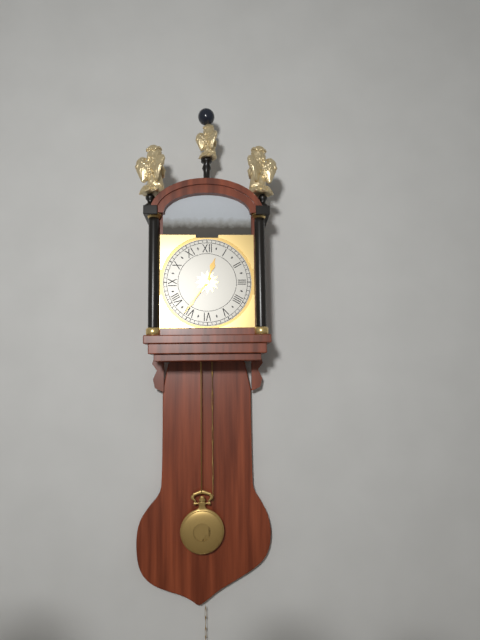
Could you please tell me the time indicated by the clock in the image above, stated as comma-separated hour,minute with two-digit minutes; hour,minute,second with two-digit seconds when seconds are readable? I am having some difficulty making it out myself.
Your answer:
12,36
